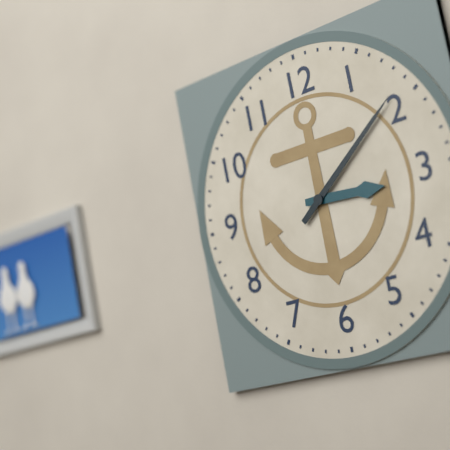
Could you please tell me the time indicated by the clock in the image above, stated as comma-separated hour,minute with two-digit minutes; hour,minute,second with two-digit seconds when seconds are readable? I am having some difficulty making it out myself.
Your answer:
3,09
